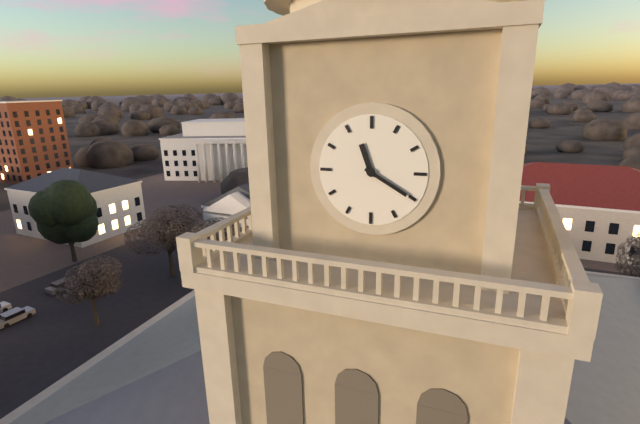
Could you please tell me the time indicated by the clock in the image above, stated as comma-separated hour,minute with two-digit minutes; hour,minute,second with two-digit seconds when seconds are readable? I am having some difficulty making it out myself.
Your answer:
11,20
